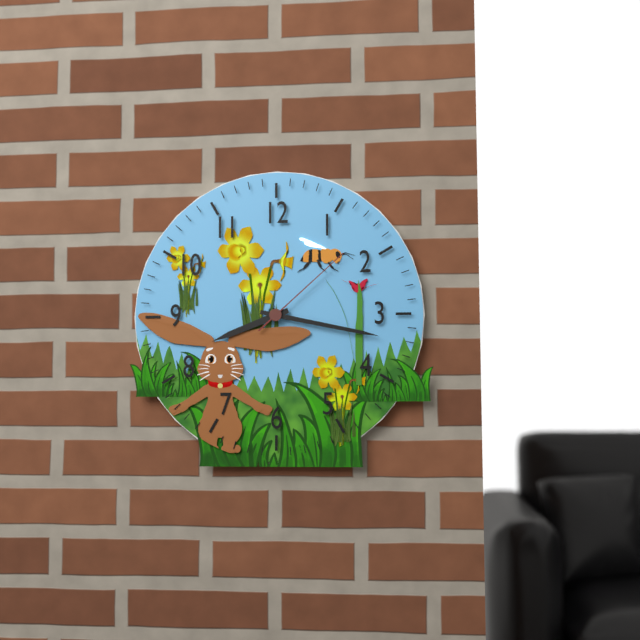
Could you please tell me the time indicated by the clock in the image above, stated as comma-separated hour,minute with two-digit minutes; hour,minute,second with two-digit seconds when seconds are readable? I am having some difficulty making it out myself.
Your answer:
8,17,08
